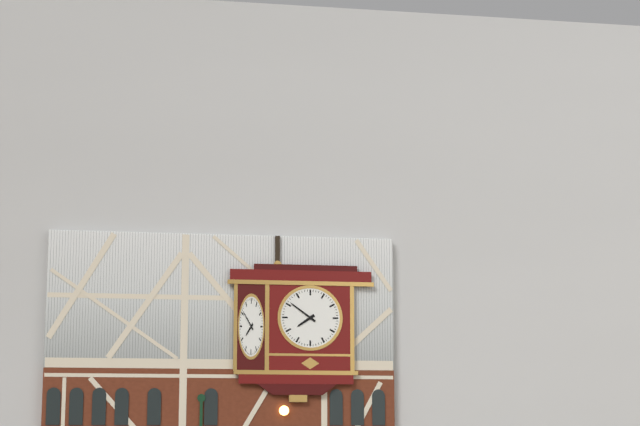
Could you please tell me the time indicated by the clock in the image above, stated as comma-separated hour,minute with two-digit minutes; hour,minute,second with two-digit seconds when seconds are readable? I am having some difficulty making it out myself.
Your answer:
7,51
